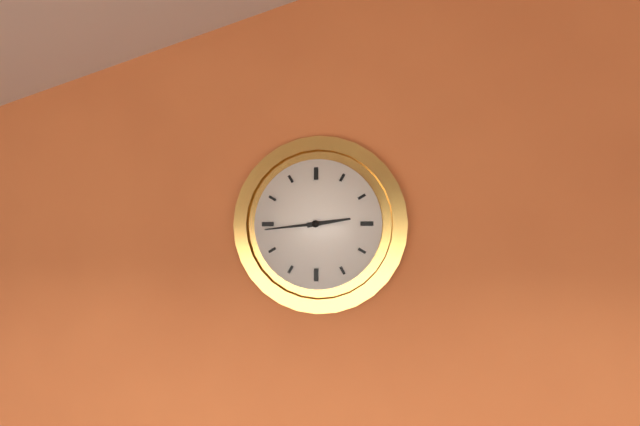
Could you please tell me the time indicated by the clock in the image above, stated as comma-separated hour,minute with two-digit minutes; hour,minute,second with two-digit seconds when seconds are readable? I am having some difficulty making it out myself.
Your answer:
2,44
